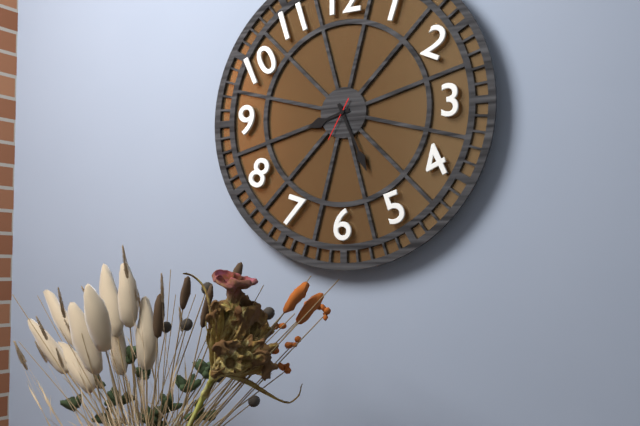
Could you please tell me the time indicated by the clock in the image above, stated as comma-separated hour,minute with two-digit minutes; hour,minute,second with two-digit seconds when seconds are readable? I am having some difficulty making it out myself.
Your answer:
8,26
